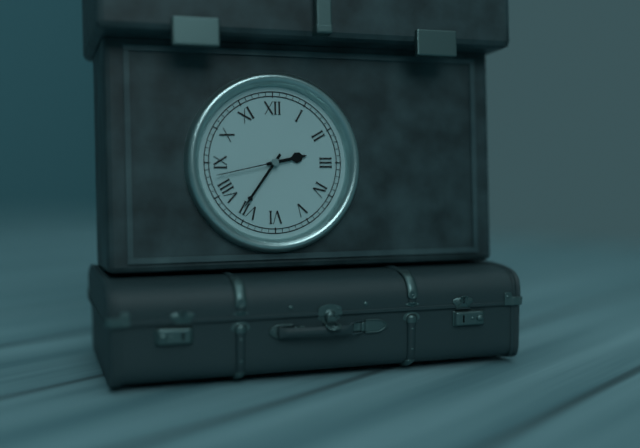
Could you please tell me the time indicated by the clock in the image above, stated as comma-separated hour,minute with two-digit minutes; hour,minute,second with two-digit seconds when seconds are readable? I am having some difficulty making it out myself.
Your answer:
2,36,43
